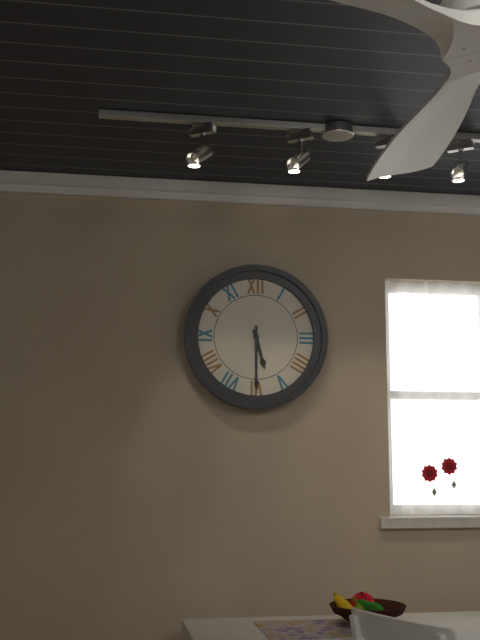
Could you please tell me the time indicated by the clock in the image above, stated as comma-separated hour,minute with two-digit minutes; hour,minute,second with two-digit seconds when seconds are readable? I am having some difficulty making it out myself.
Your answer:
5,30
